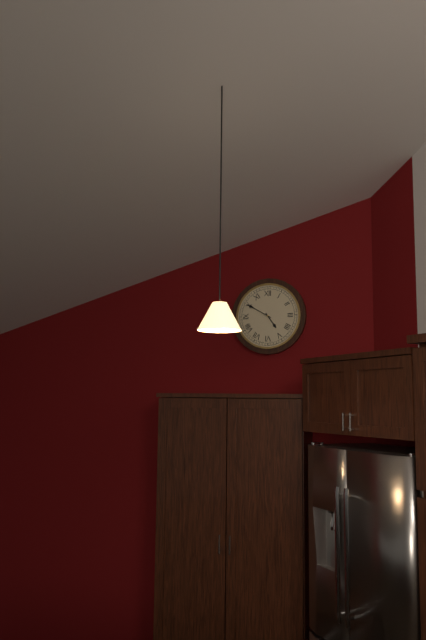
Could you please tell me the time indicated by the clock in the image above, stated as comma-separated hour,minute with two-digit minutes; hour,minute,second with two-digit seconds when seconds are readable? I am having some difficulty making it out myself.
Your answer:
4,50
